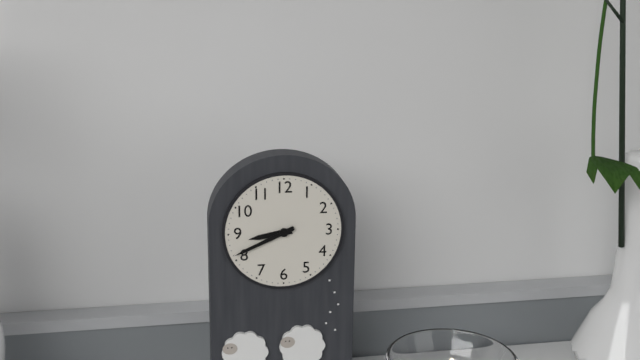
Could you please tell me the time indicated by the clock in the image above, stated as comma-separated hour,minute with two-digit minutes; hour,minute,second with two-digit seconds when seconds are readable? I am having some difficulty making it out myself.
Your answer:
8,41
